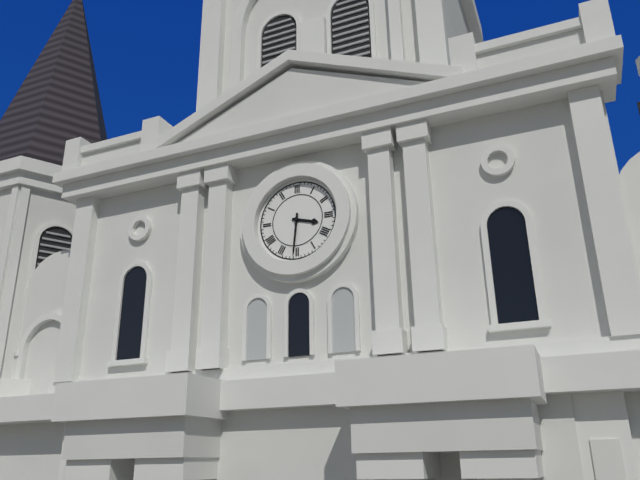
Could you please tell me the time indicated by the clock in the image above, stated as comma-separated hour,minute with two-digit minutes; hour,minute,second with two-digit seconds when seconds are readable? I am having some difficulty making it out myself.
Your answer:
3,31
